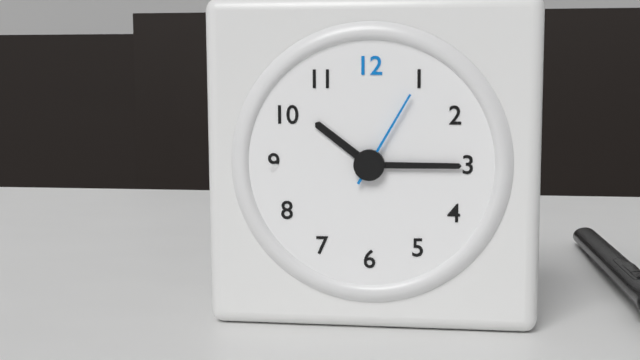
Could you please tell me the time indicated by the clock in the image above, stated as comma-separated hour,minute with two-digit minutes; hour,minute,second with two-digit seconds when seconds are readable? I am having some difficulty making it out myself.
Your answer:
10,15,05
